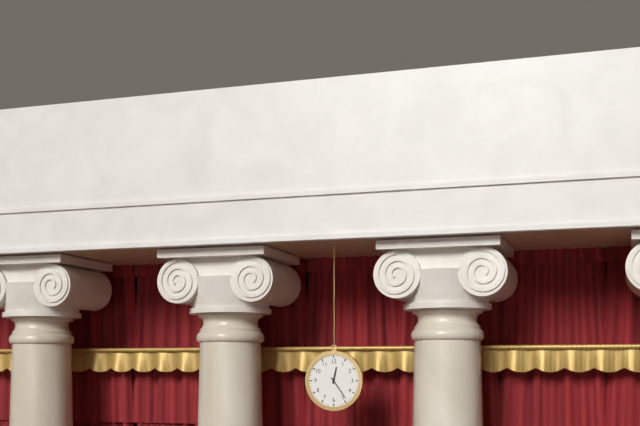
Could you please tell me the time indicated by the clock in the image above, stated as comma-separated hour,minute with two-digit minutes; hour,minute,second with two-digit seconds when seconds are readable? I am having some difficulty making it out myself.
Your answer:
12,24
